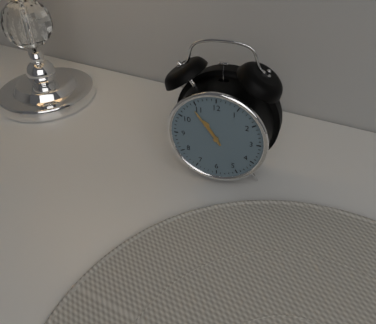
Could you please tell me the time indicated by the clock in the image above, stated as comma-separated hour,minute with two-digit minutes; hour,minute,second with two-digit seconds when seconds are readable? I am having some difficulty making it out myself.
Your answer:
10,54
